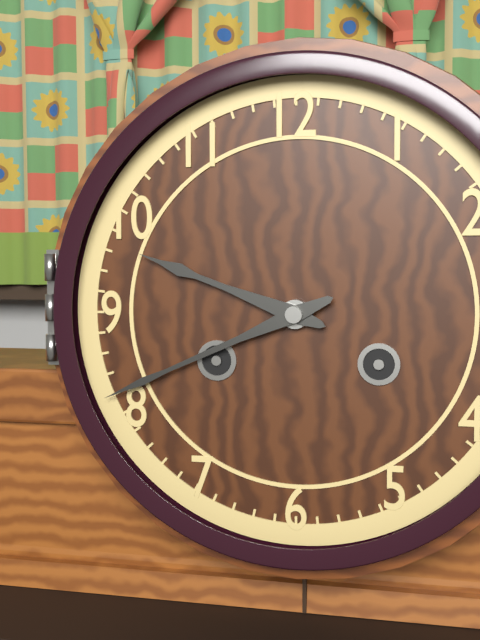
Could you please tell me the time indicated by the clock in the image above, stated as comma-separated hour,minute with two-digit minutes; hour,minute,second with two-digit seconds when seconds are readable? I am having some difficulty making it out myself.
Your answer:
9,41
